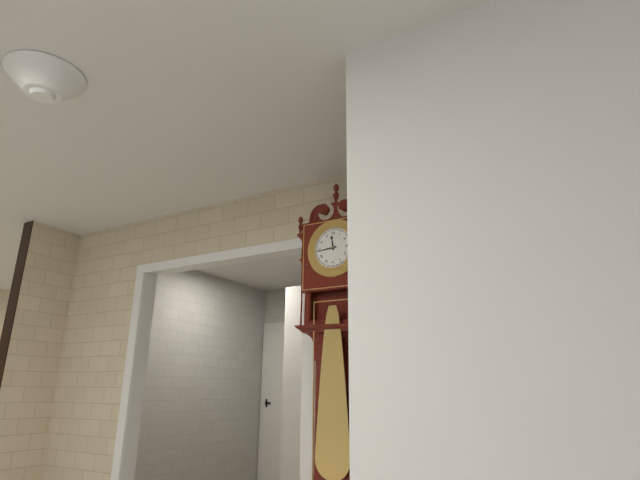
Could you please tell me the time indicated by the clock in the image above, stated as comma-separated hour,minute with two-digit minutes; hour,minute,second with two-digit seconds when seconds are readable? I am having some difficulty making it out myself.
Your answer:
11,44
